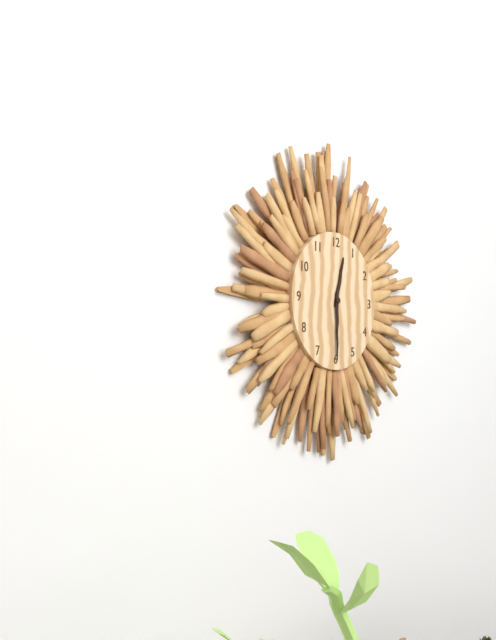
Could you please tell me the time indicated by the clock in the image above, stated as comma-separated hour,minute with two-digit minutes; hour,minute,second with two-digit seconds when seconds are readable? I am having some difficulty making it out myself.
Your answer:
12,30
